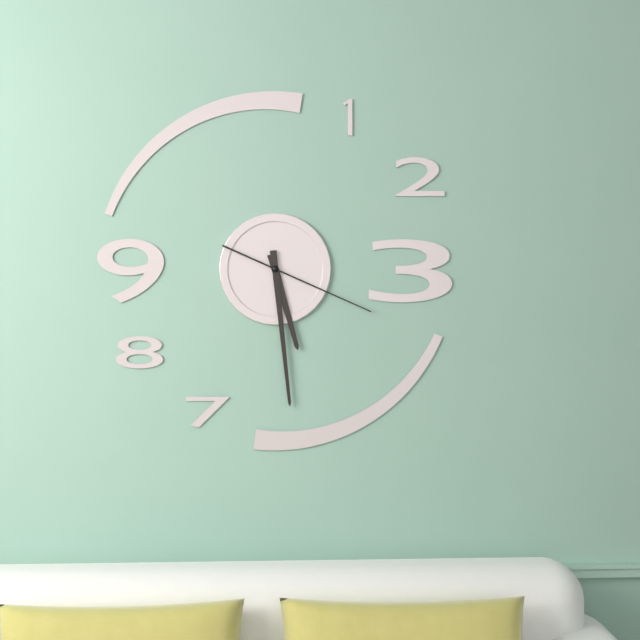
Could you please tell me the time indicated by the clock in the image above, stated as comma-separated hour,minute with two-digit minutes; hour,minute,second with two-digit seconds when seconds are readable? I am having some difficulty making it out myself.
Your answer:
5,29,19
